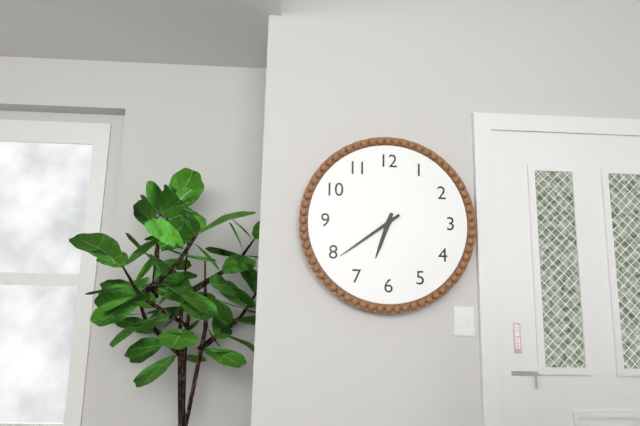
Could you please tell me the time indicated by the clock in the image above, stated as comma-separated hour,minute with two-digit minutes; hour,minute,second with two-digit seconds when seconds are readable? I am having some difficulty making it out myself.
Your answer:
6,39
